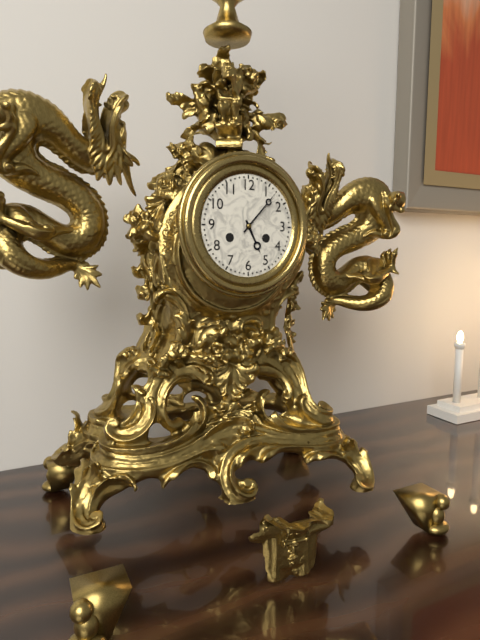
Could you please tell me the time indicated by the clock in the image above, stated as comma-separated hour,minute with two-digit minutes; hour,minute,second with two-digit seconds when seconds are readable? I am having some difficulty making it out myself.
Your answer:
5,07
